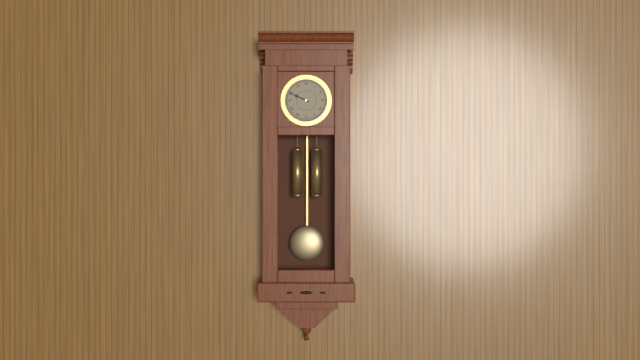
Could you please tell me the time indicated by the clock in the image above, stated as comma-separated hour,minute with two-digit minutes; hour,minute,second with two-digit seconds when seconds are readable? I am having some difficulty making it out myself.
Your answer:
9,49
